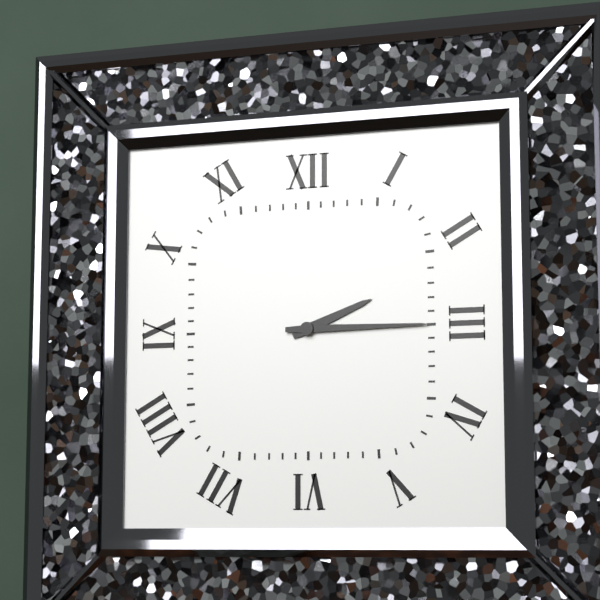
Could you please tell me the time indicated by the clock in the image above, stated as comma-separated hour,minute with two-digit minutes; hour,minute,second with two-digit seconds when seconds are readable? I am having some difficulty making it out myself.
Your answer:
2,15
